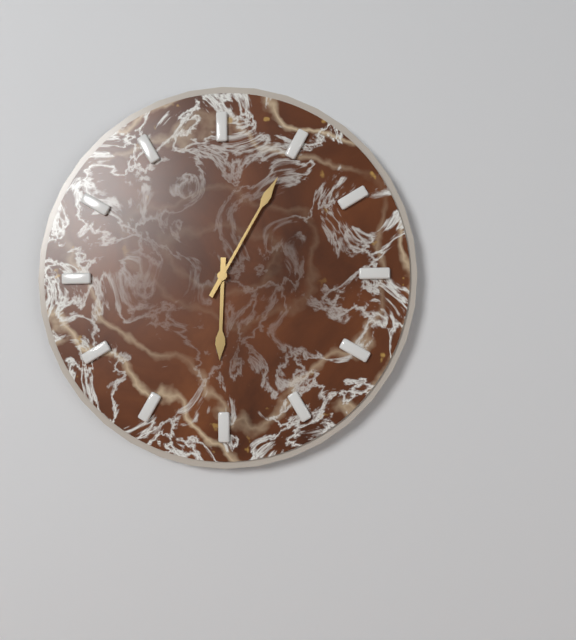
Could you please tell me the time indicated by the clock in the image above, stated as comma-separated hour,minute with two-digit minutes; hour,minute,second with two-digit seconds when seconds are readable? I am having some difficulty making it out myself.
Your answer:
6,05
